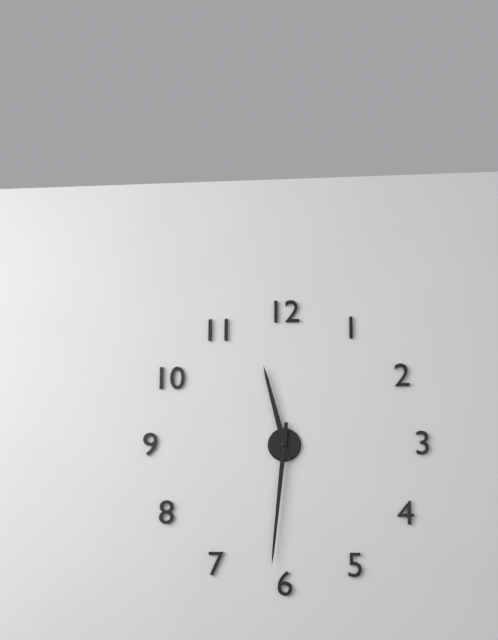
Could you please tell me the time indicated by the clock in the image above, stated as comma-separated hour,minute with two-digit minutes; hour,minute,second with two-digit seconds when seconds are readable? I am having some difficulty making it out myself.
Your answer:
11,31
